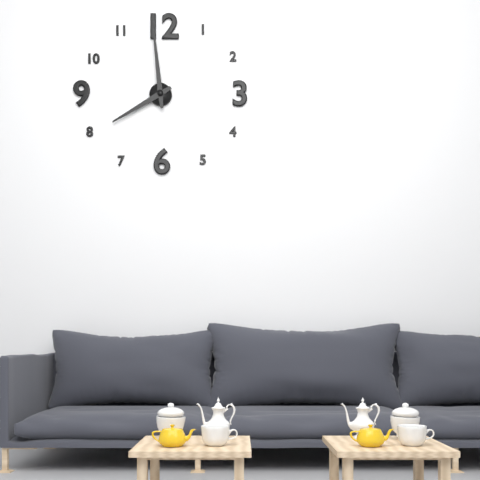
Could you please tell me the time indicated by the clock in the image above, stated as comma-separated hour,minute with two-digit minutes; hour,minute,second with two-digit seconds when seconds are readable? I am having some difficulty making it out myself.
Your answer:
7,59
